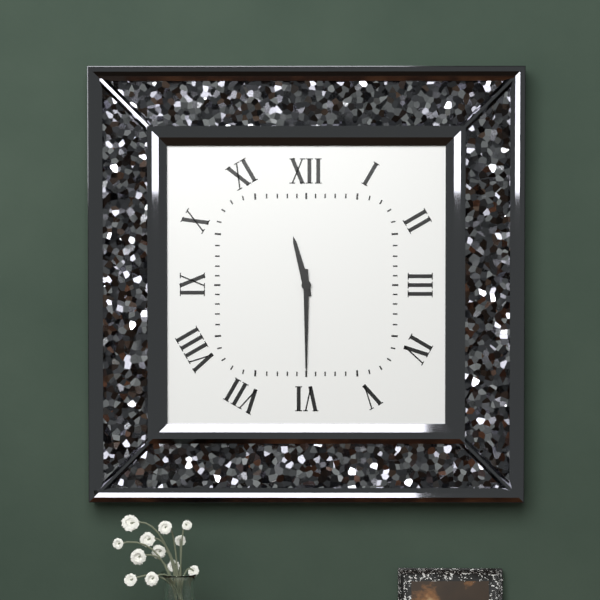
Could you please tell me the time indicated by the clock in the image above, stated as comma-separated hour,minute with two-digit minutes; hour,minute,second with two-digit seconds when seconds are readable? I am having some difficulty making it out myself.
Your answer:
11,30
